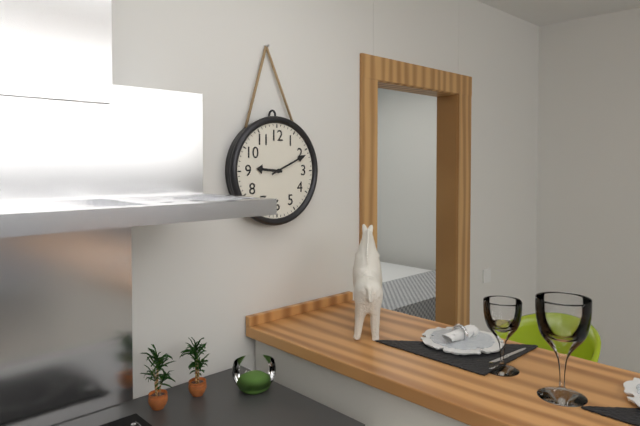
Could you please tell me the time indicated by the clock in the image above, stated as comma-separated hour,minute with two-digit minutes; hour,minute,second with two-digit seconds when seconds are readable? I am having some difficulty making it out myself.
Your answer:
9,11
